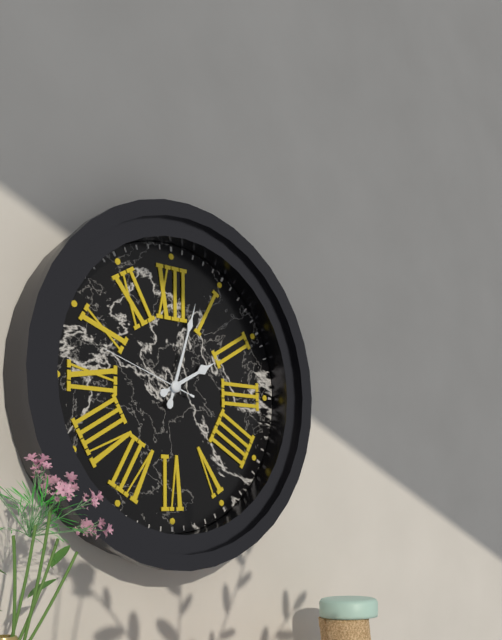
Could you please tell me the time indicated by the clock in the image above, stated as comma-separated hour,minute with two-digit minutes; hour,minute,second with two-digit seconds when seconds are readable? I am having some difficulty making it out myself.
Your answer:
2,03,48
